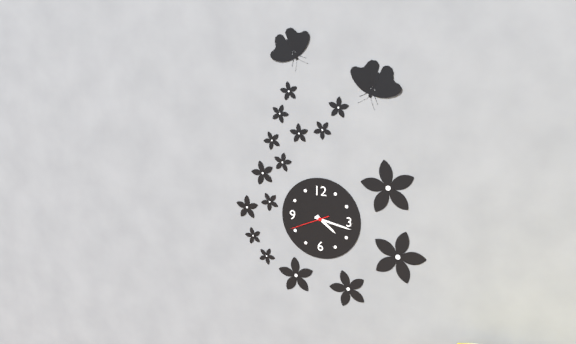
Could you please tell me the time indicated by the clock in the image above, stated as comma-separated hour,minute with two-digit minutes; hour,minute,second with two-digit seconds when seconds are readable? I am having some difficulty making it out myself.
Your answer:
4,17
